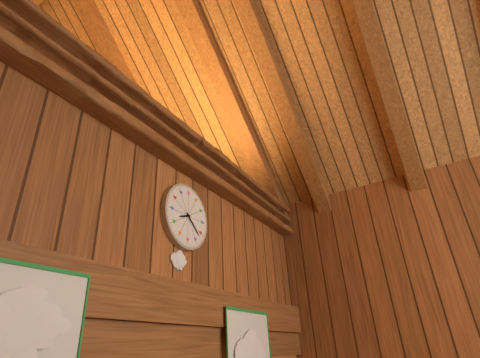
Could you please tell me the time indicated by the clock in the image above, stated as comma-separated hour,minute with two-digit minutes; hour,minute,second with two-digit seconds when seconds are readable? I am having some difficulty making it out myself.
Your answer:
8,22
